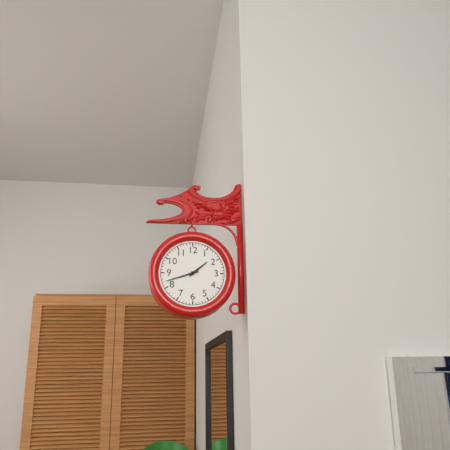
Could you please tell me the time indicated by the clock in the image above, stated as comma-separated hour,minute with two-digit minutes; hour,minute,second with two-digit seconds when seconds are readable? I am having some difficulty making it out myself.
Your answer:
1,42
